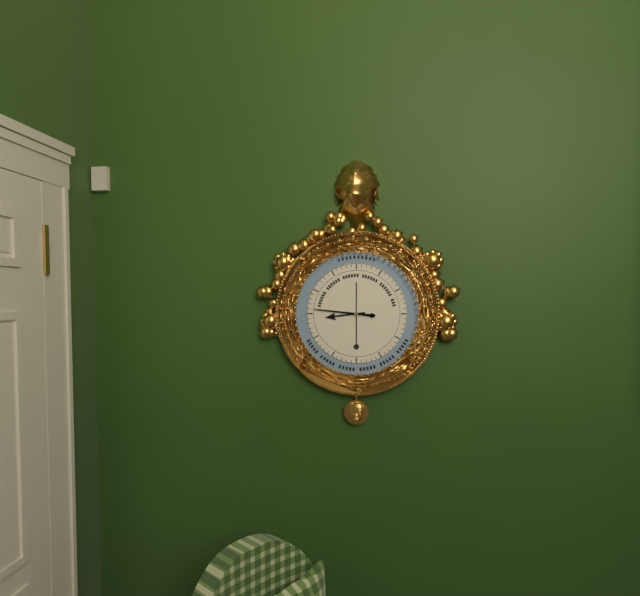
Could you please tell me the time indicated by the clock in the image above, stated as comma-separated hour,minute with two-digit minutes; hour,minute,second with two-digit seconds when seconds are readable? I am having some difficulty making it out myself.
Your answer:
8,46
